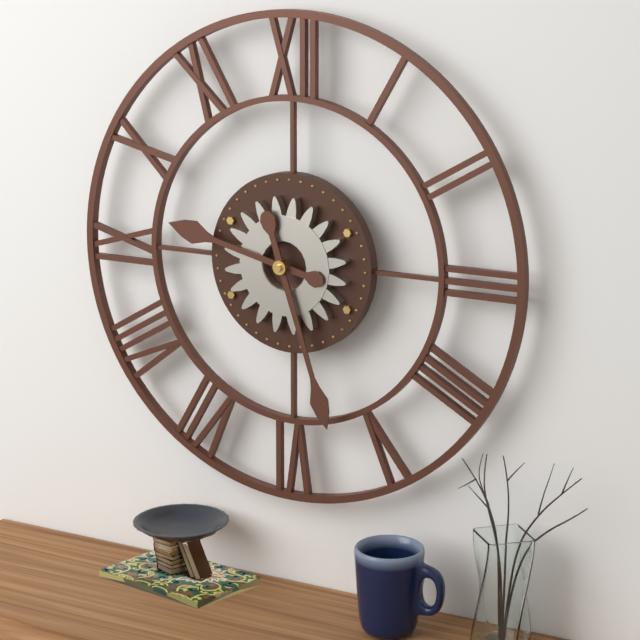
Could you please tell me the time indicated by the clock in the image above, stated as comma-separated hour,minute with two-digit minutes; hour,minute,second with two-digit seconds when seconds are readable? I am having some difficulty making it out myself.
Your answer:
9,27
